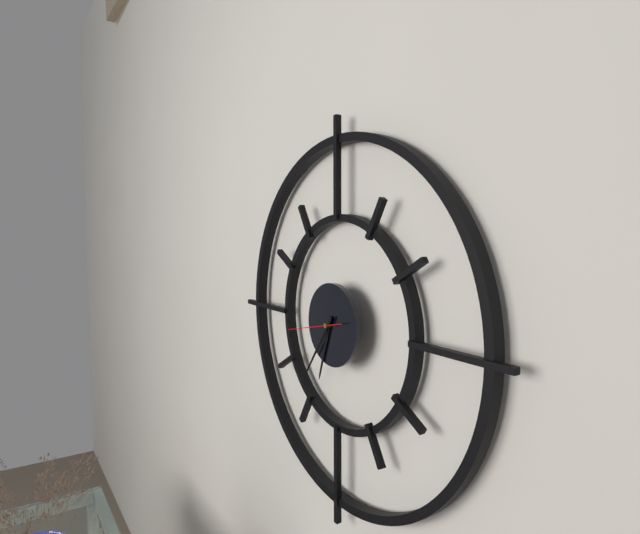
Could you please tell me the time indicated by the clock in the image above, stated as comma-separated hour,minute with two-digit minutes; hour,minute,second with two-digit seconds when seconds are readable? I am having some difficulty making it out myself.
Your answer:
6,36
